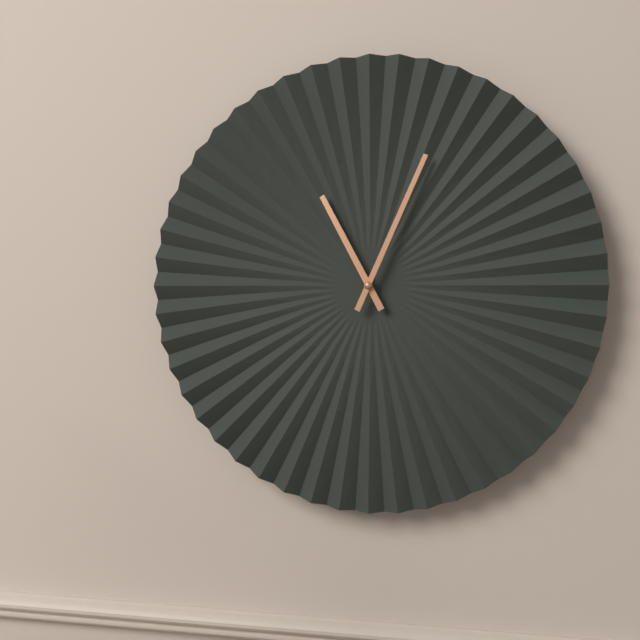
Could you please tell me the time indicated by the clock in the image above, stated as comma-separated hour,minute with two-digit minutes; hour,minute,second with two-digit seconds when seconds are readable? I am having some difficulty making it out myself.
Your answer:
11,04
